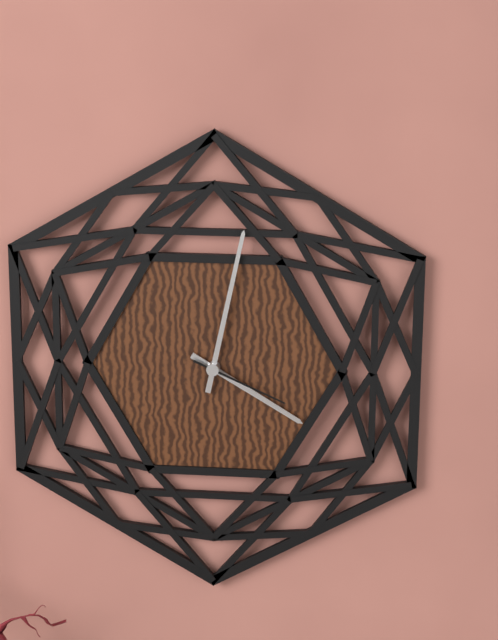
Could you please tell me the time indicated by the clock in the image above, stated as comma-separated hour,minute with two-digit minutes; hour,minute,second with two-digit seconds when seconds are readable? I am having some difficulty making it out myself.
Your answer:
4,02,19
